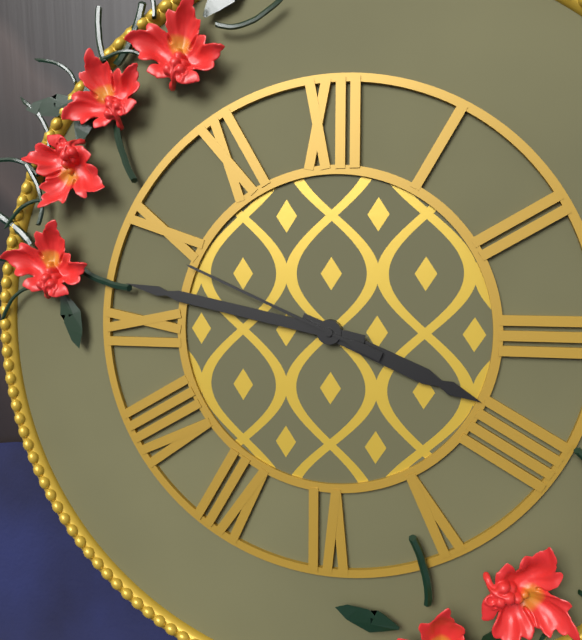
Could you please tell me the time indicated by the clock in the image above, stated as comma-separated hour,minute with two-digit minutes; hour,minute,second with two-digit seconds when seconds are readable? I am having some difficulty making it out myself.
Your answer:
3,47,49
